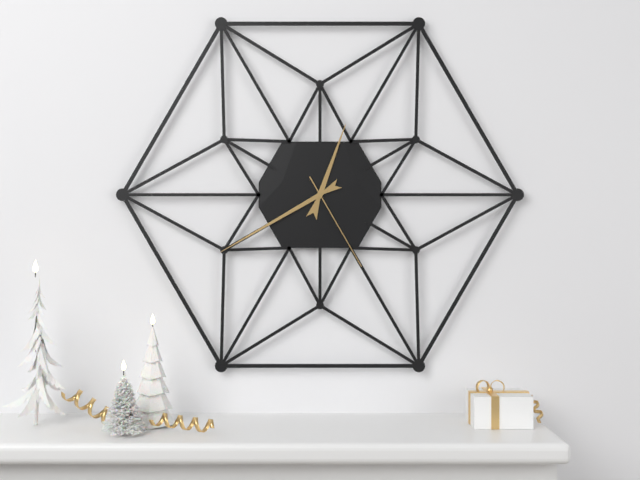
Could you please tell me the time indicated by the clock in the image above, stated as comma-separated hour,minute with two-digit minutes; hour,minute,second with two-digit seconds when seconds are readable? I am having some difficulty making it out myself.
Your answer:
12,40,25
